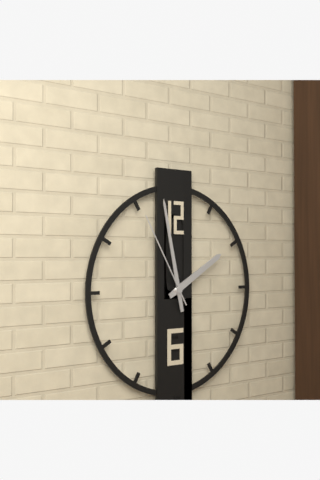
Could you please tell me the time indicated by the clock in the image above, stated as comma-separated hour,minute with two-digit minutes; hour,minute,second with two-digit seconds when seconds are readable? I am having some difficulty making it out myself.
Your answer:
1,58,55
